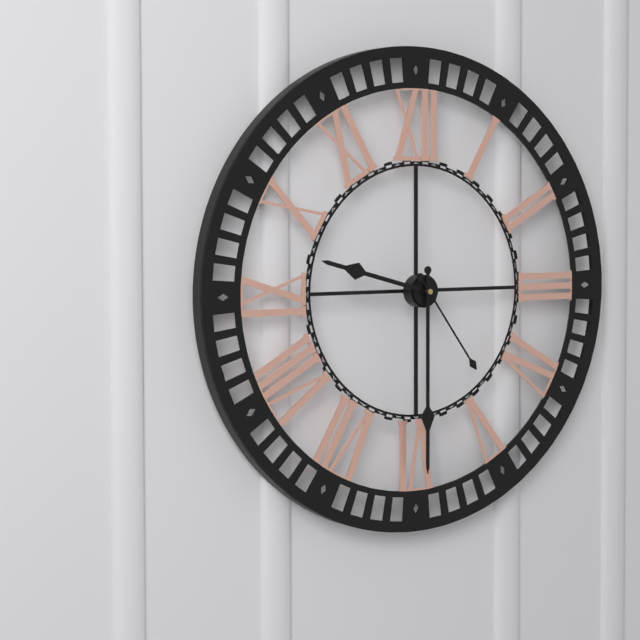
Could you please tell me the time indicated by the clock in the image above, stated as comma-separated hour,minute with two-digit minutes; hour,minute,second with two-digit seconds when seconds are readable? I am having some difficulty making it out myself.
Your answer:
9,30,24
